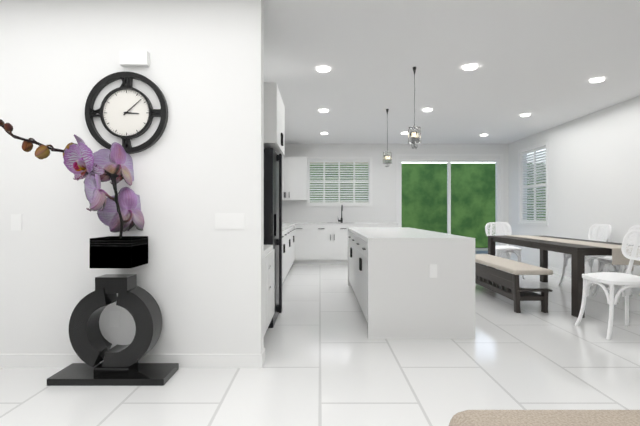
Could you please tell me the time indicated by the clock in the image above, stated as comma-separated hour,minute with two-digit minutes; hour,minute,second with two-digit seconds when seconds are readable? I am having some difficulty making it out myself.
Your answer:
3,08
